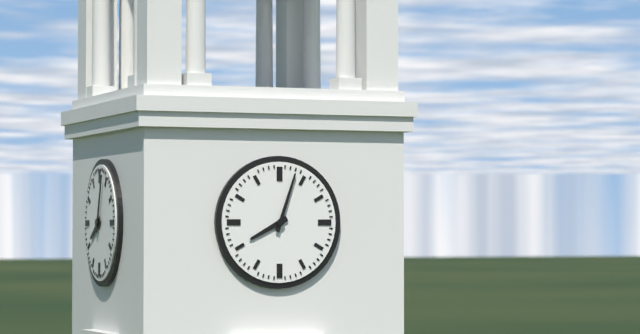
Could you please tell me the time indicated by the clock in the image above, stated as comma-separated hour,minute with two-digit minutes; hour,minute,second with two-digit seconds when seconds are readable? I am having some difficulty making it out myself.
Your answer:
8,03
